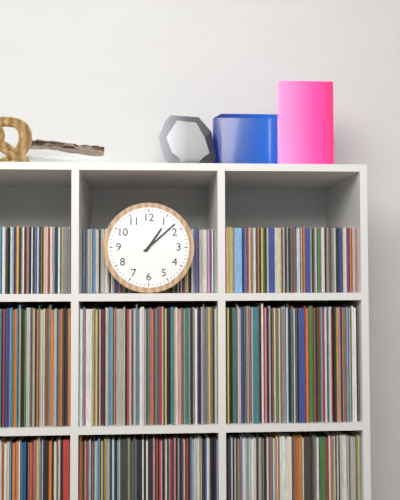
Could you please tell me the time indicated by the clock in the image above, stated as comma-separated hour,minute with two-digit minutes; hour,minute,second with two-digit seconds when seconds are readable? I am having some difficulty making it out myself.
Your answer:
1,08
